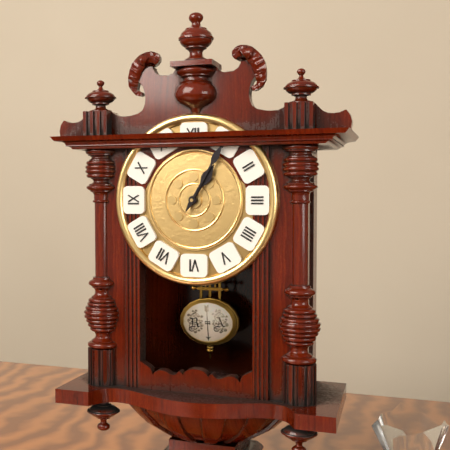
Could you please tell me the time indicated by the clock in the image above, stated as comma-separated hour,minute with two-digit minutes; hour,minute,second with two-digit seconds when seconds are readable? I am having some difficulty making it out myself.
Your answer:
1,05
